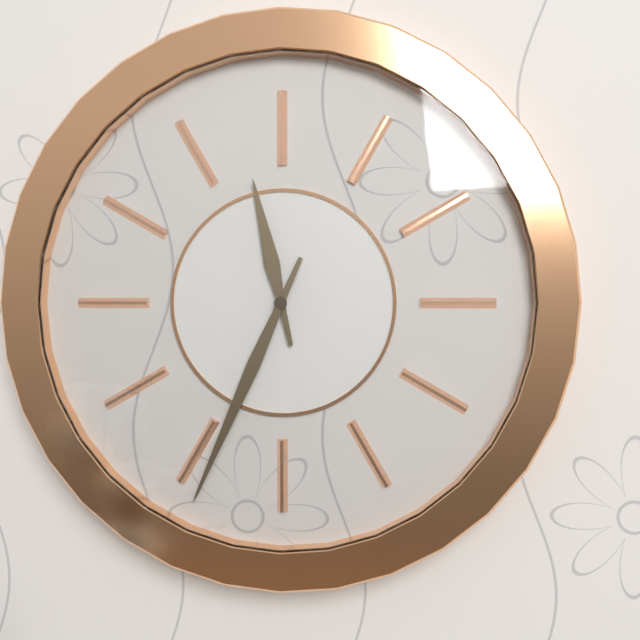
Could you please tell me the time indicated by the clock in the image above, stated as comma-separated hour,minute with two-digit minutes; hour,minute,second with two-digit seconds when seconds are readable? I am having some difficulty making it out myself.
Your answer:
11,34
